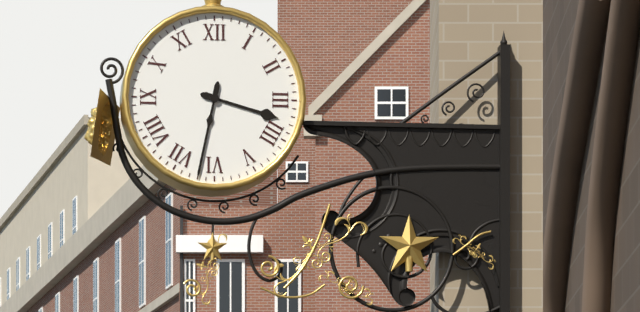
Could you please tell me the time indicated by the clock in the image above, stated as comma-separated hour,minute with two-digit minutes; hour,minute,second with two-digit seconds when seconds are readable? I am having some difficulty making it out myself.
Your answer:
3,32
